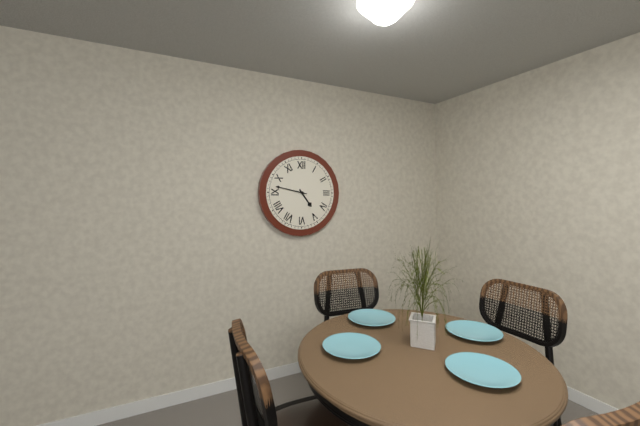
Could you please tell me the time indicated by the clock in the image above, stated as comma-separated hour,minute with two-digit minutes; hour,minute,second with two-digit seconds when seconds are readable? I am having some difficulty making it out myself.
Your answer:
4,47
